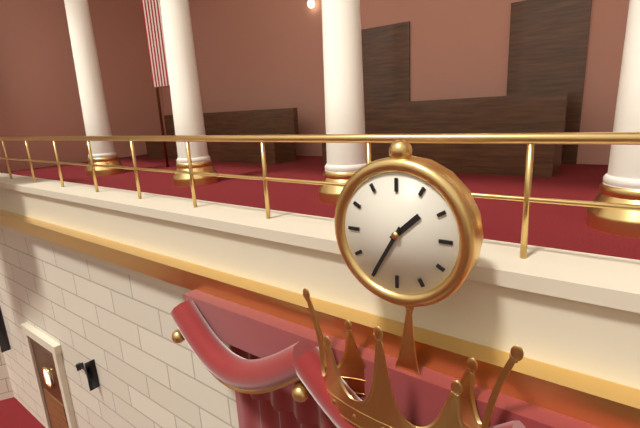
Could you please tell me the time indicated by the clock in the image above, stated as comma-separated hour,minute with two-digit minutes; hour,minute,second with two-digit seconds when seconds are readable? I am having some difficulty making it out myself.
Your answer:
1,35
